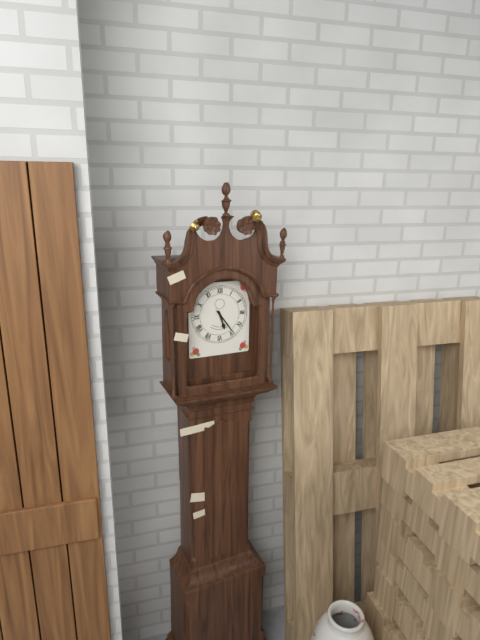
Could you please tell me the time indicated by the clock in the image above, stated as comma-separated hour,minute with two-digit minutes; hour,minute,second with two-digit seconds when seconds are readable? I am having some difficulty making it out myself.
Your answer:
5,24
